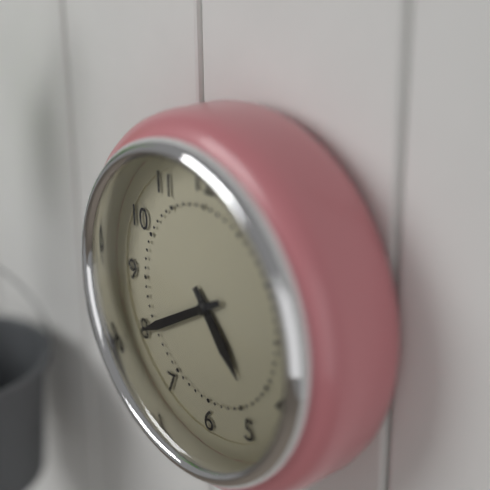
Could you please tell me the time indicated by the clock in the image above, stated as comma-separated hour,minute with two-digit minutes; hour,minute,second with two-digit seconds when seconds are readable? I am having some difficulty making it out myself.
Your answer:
4,40
